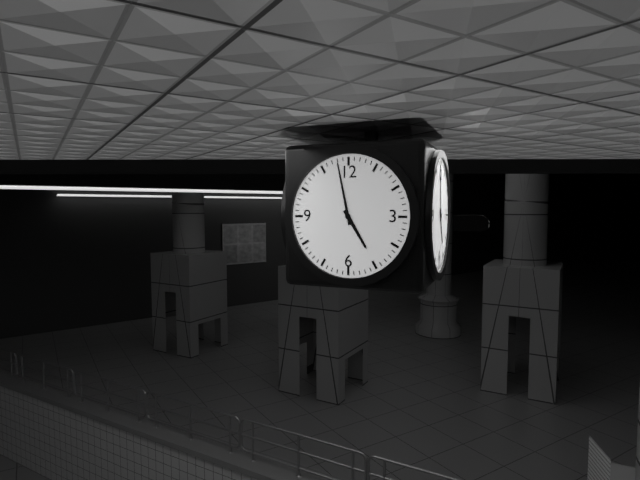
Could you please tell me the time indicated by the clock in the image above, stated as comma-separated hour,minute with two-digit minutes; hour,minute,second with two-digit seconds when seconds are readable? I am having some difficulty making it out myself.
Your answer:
4,58
